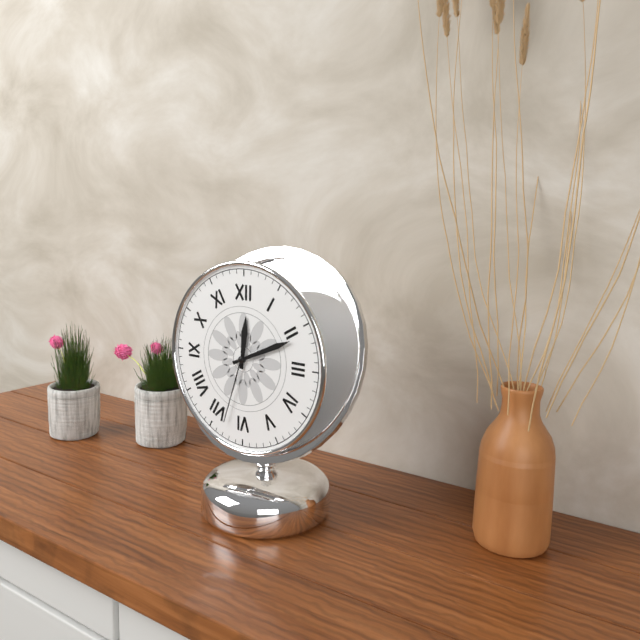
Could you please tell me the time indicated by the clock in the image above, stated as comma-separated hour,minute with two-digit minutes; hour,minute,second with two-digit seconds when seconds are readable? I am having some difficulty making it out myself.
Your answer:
12,11,33
